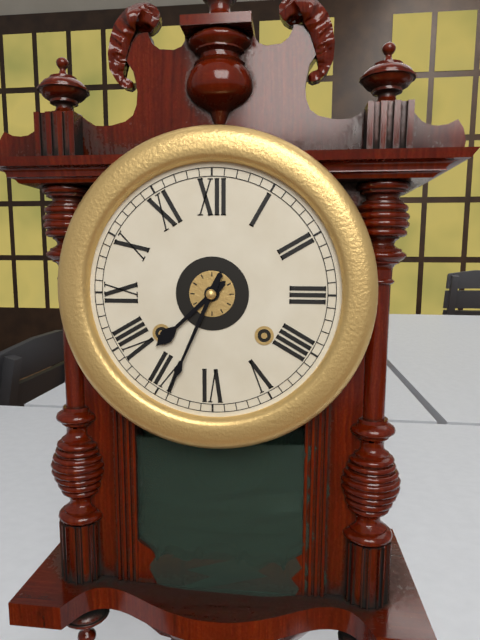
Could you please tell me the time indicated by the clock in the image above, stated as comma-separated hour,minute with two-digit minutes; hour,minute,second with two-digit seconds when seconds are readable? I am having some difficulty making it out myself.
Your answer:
7,34
